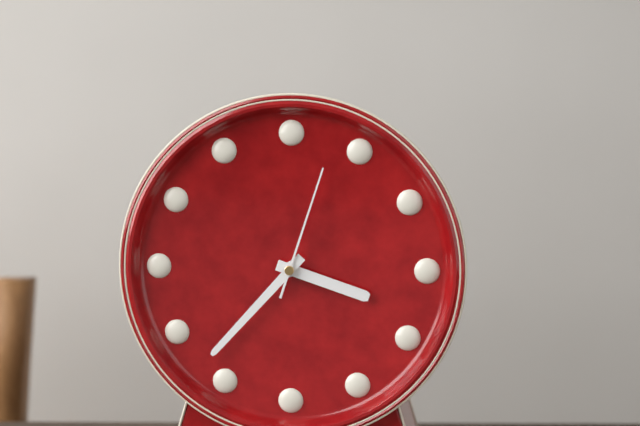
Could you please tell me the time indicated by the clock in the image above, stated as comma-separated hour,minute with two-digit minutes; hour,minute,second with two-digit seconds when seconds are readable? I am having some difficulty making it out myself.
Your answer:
3,37,03
